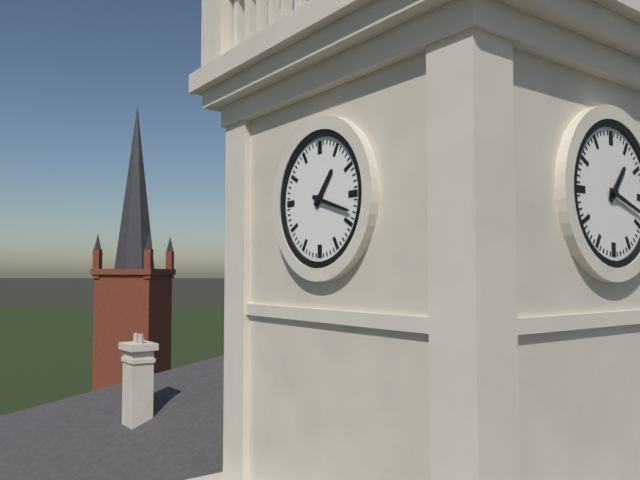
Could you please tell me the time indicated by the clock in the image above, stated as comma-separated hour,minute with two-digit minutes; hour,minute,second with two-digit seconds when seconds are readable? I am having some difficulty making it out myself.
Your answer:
1,18
